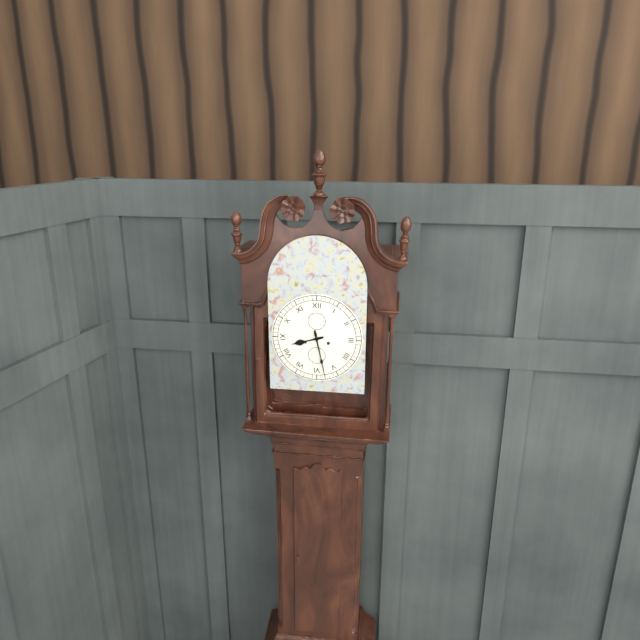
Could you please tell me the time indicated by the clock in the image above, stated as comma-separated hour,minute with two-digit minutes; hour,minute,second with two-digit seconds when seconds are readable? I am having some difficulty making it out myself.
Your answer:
8,28
